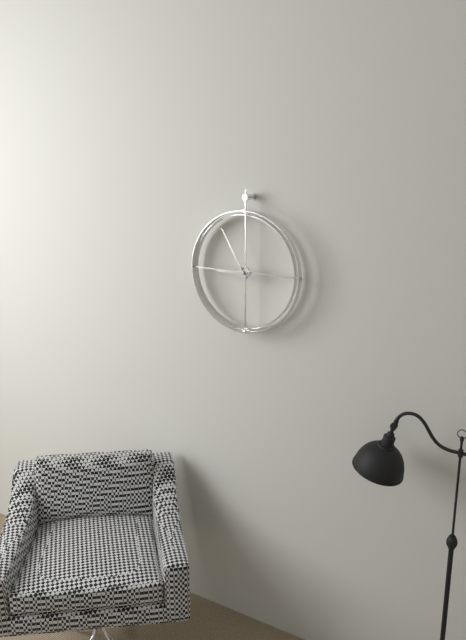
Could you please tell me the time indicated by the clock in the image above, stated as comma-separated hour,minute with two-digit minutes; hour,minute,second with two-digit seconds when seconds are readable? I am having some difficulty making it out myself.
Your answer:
8,55
